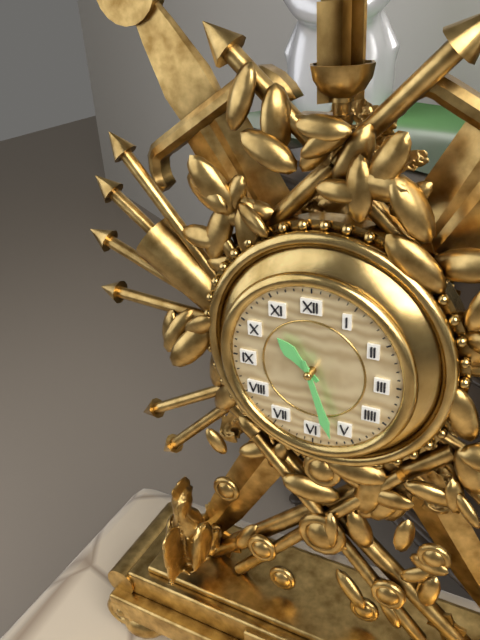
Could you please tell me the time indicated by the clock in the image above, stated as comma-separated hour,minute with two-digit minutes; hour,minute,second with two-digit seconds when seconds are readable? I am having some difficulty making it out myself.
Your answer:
10,27
